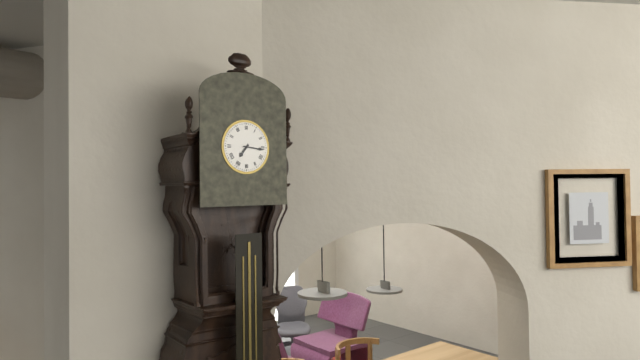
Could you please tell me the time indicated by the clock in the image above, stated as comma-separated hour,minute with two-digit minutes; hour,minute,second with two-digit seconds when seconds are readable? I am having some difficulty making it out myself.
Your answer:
7,16
